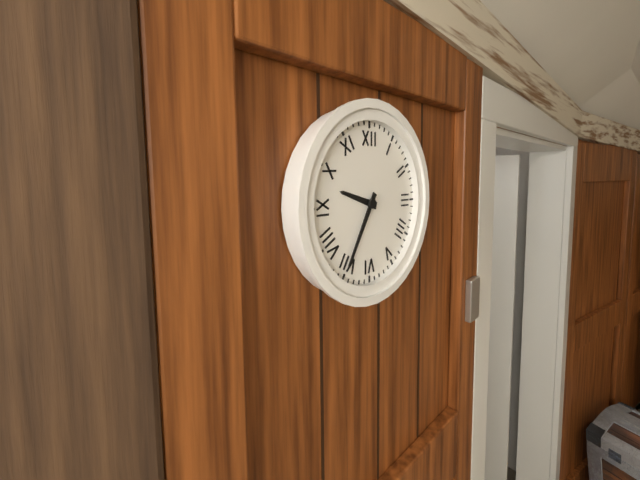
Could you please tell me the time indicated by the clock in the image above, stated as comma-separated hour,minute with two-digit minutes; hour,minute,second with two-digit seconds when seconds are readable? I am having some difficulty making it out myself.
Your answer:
9,35
